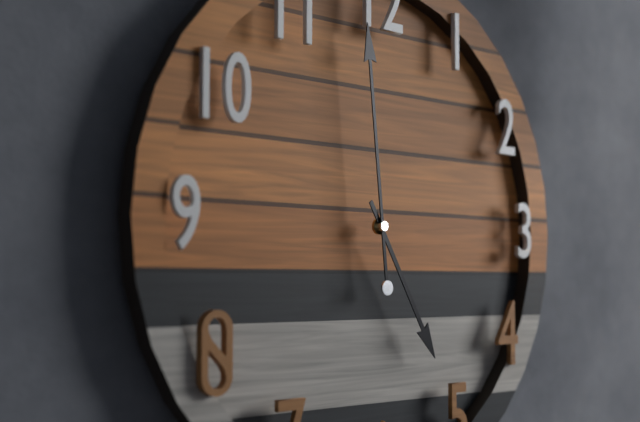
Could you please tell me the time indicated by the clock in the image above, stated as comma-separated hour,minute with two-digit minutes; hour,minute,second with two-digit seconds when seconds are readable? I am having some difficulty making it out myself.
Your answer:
4,59
